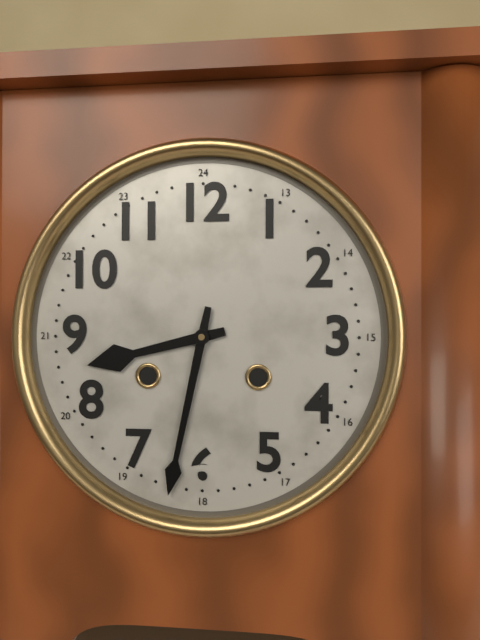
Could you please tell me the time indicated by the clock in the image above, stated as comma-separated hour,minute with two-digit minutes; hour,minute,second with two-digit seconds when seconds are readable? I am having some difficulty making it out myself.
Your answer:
8,32
